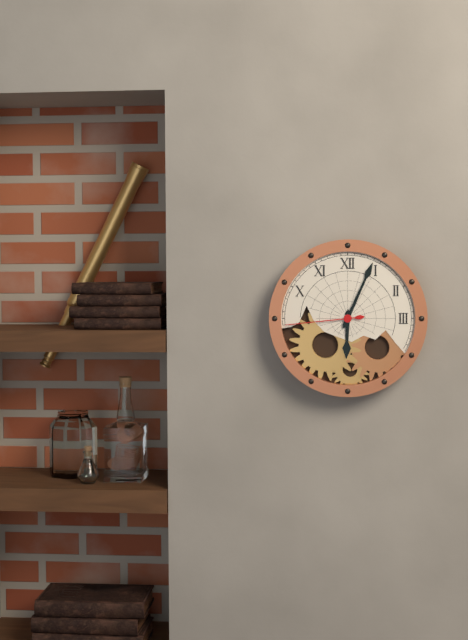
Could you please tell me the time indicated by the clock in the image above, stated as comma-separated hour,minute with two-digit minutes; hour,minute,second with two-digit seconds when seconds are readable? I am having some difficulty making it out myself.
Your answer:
6,04,44
